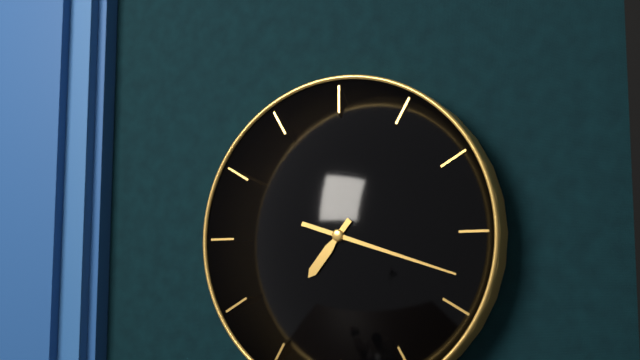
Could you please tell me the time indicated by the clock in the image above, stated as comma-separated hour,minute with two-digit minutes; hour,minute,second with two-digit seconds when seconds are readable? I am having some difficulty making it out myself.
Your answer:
7,18
